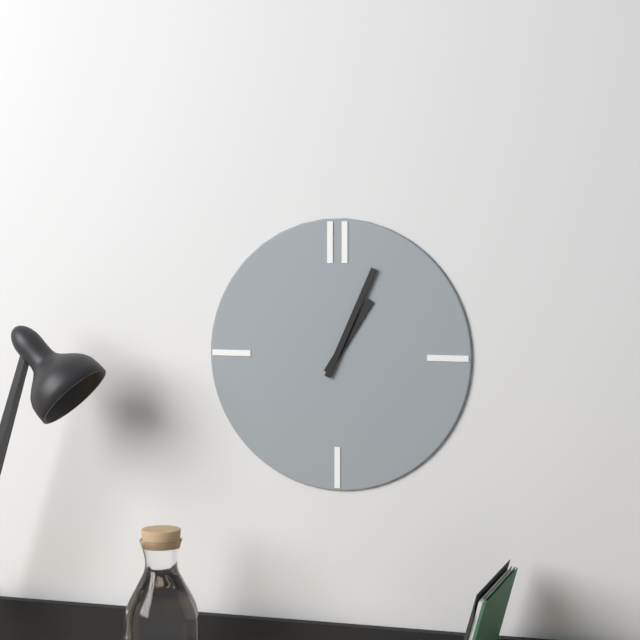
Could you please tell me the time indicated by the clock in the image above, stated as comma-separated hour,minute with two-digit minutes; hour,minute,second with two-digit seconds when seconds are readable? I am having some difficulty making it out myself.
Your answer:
1,04
